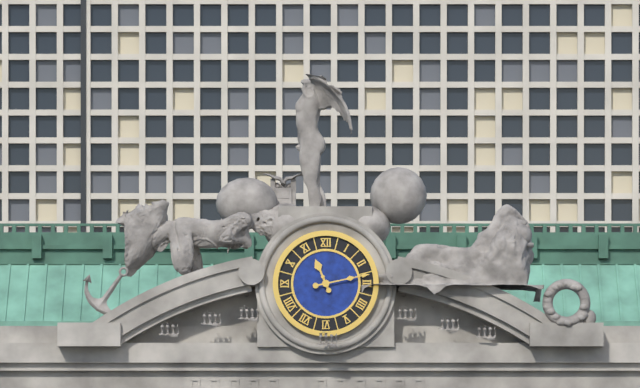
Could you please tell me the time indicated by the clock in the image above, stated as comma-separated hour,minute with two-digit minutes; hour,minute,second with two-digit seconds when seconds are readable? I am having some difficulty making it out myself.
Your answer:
11,13
